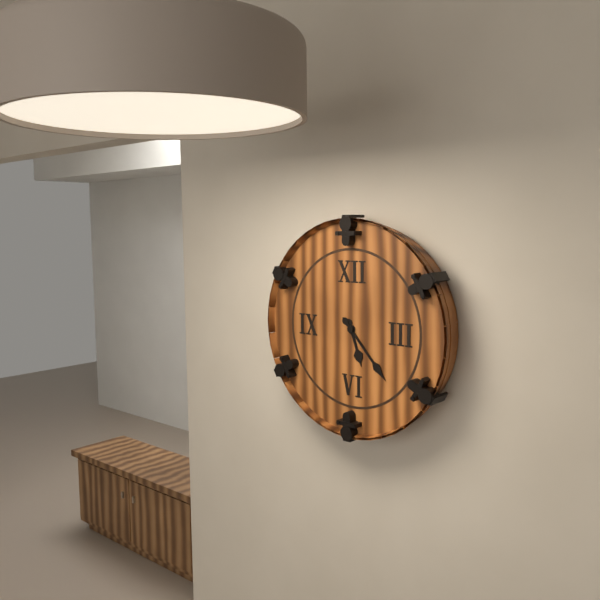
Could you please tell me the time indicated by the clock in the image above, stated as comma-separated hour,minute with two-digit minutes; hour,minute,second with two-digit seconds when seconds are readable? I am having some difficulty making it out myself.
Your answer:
5,23
